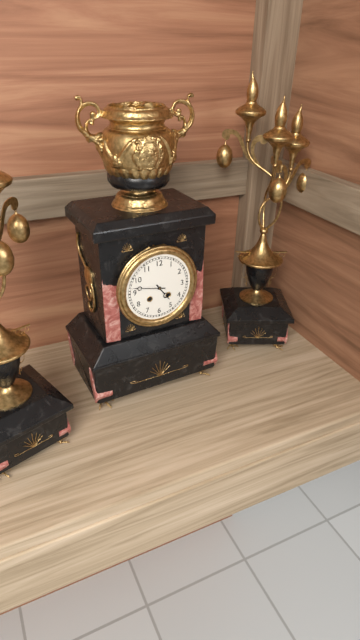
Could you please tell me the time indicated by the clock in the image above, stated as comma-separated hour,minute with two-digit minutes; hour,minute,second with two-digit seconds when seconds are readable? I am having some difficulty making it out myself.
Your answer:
4,47
